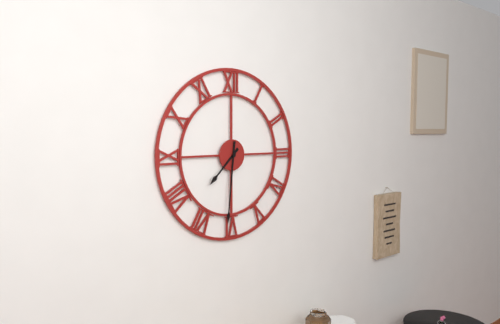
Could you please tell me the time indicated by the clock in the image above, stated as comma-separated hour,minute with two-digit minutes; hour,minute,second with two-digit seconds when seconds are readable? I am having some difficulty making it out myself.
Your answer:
7,31
